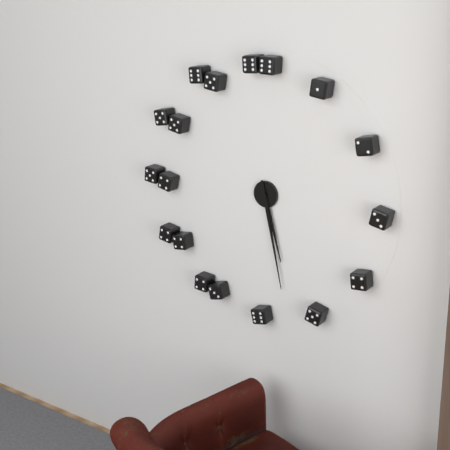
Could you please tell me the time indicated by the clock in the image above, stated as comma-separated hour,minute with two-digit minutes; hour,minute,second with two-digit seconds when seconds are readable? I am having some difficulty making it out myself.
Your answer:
5,28
